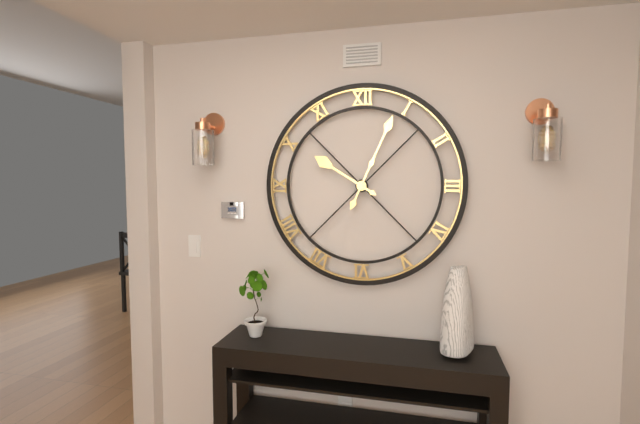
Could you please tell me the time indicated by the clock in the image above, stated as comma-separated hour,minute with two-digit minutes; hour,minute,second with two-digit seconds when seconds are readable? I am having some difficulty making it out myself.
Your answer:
10,04
